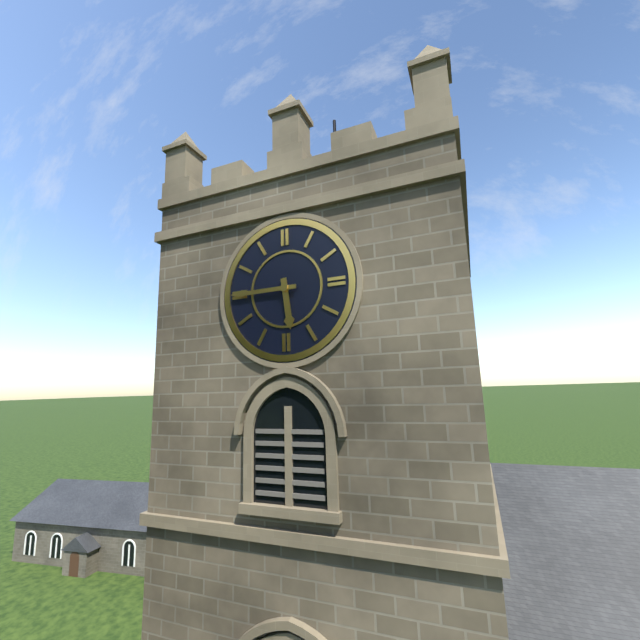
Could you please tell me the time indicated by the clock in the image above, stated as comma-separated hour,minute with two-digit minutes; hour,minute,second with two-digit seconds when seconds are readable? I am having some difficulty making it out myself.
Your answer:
5,45
